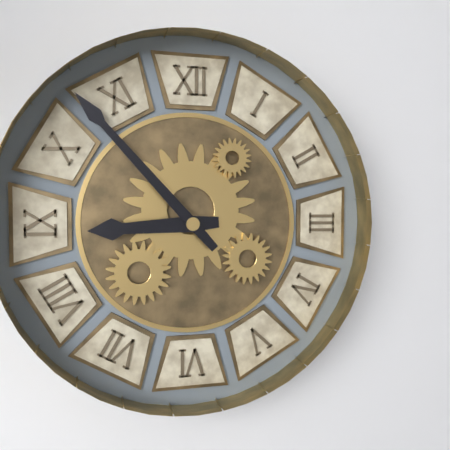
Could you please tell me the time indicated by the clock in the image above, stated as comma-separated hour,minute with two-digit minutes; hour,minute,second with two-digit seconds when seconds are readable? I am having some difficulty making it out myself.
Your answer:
8,53
